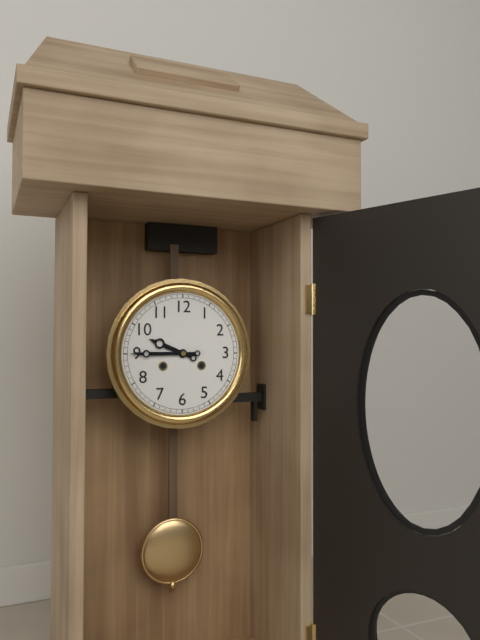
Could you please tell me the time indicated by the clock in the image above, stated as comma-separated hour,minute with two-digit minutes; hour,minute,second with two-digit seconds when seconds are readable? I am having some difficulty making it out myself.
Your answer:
9,45
